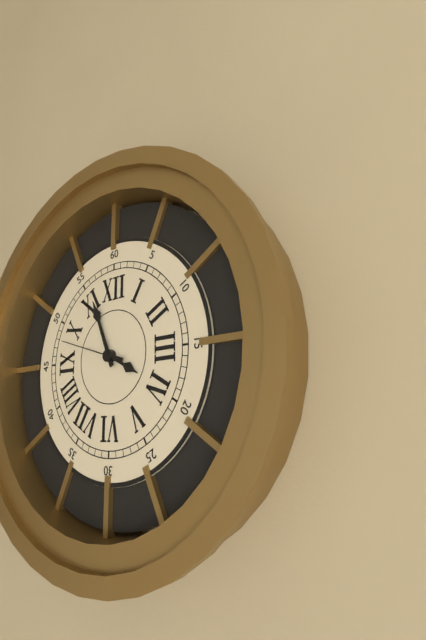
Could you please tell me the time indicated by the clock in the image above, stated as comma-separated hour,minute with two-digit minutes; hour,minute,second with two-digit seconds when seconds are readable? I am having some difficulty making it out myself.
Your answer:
3,56,48
